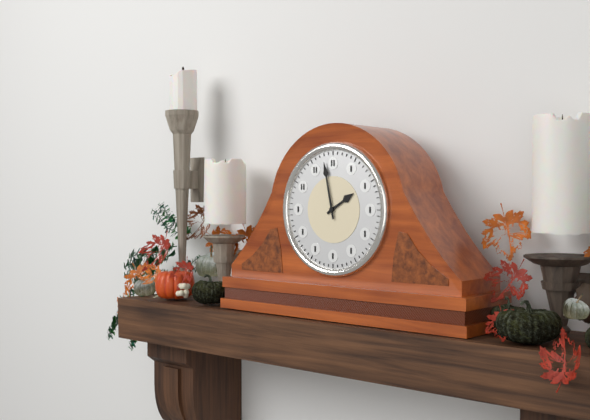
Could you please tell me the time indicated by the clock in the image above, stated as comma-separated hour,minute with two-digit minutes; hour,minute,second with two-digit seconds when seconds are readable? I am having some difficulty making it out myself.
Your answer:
1,58
